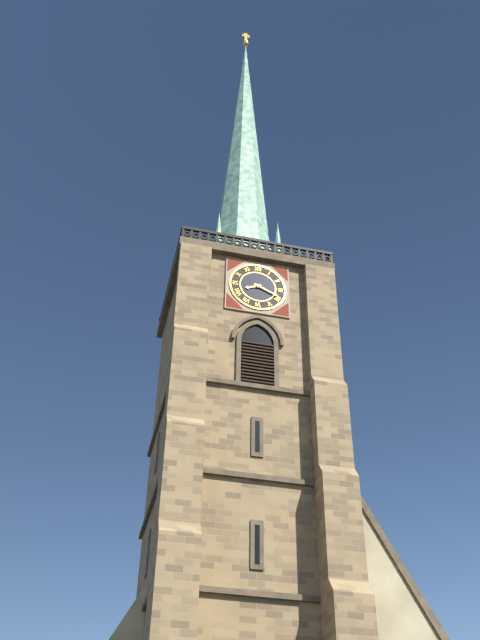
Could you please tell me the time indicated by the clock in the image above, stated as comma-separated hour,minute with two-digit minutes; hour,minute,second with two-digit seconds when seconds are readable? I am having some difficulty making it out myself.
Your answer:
8,19
